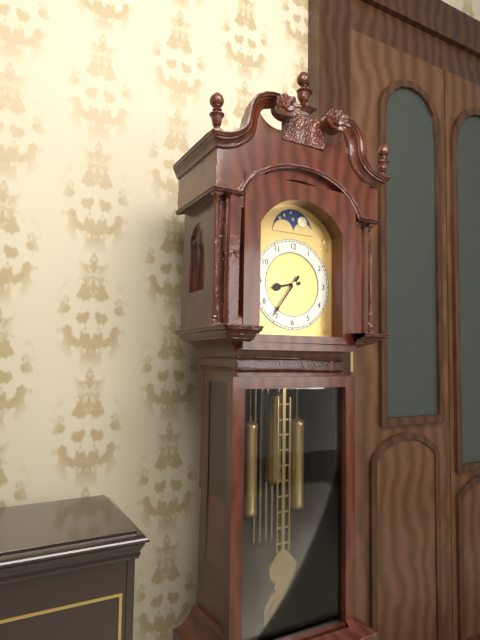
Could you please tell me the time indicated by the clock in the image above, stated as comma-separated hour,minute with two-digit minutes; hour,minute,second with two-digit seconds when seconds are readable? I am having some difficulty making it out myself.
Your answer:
8,36
